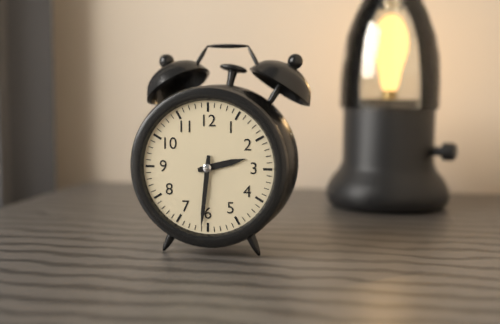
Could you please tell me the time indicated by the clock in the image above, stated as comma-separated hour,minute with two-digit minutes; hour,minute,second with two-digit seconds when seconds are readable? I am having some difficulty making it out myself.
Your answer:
2,31
